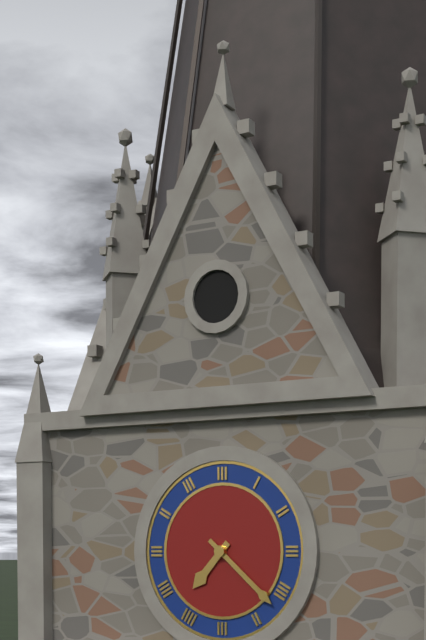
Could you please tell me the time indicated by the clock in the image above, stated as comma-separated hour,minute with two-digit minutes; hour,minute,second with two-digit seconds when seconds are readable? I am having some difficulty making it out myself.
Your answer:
7,22
